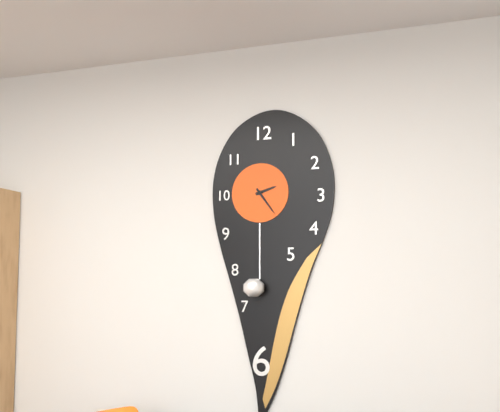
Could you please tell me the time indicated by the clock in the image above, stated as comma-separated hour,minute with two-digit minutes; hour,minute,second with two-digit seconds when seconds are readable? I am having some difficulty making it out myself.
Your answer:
2,24
